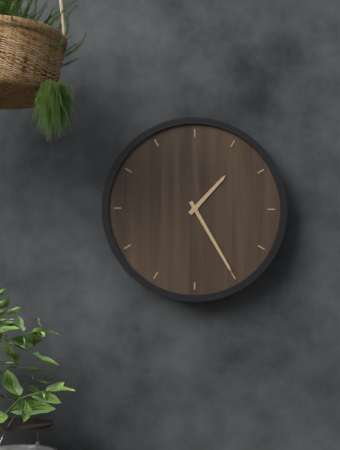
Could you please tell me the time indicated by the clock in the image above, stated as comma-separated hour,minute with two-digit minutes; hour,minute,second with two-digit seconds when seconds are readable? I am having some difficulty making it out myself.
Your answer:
1,25
